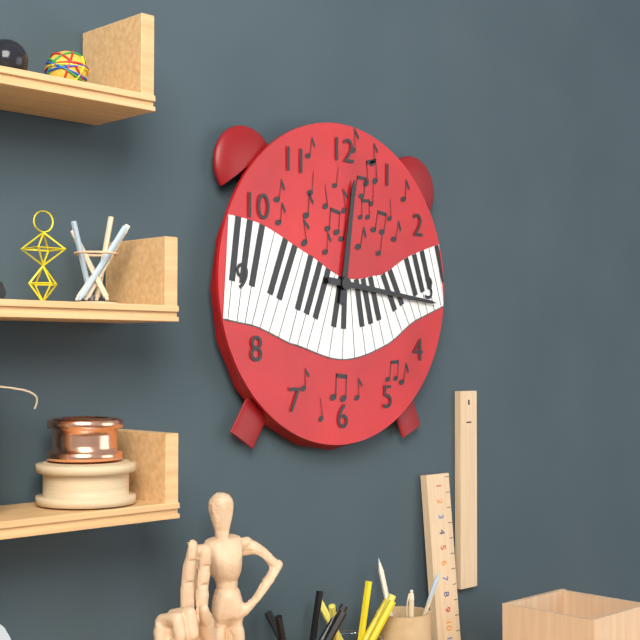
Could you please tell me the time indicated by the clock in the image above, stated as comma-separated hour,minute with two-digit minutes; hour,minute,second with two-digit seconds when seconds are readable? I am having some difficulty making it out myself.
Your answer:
12,16
